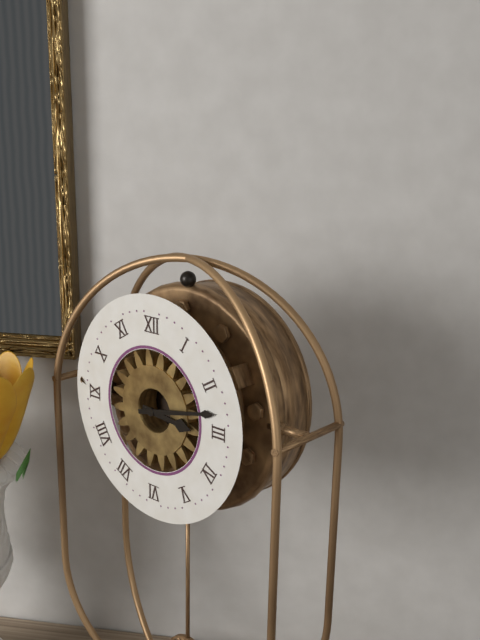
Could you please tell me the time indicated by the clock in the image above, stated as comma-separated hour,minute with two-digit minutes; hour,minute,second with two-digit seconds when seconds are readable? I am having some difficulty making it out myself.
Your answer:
3,13
